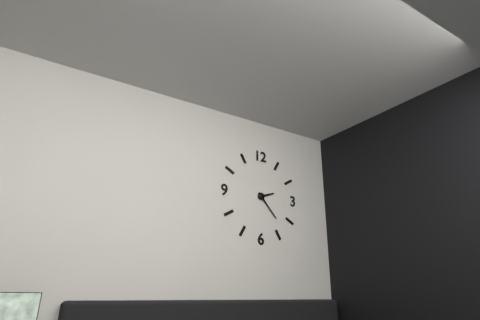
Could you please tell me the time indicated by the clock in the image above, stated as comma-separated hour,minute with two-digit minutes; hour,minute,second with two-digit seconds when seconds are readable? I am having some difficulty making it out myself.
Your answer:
2,23
